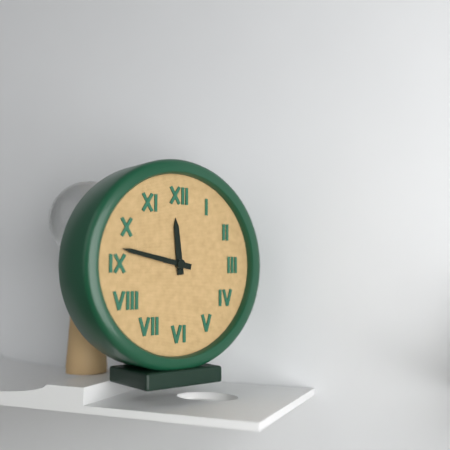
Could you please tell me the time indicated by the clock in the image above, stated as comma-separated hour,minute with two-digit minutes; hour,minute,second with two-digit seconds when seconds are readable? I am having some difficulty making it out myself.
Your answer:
11,47
